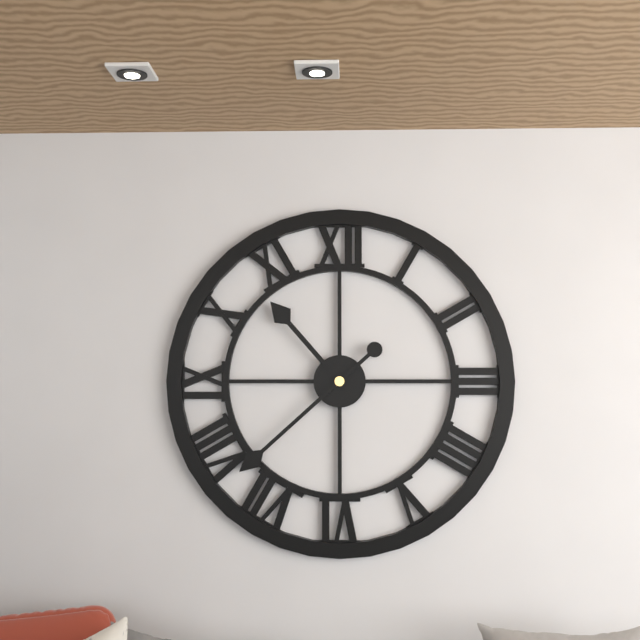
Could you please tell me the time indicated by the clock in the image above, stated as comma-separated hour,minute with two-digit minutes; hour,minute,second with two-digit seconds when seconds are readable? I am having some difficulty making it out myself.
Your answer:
10,38
